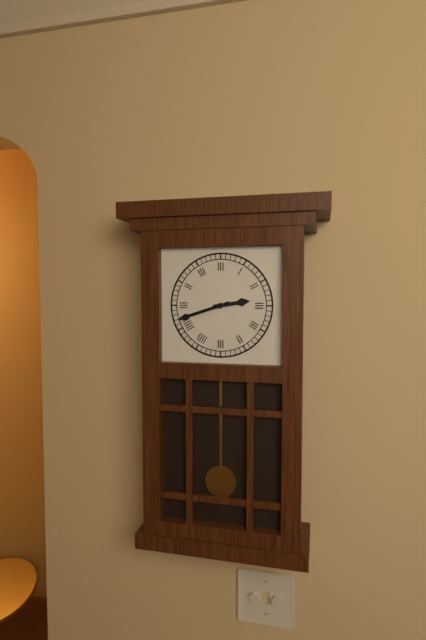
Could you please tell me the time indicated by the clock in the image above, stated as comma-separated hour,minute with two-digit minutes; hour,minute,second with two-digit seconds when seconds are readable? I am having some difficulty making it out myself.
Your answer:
2,42
